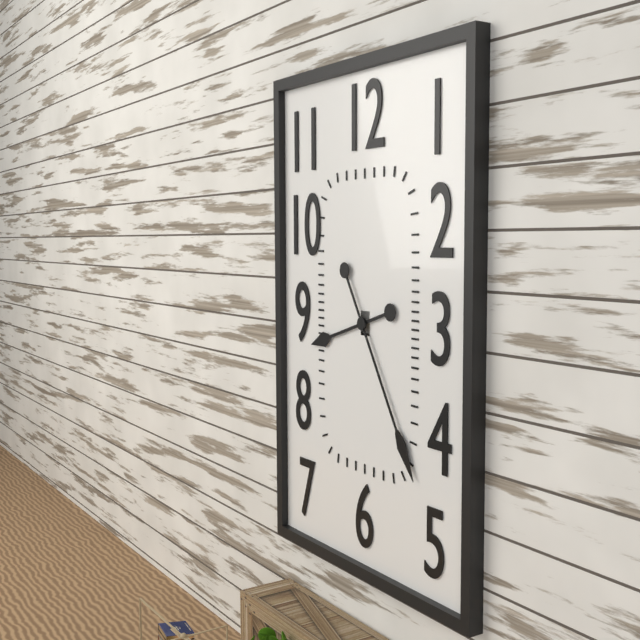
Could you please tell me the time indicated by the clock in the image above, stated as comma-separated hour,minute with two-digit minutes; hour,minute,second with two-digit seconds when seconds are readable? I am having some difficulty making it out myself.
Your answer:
8,25
